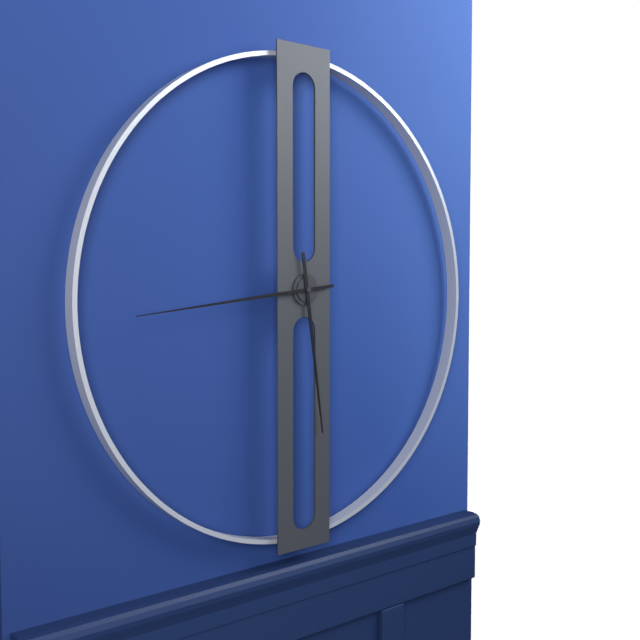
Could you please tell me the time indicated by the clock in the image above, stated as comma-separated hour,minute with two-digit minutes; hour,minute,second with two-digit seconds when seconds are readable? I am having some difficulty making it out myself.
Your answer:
5,44
